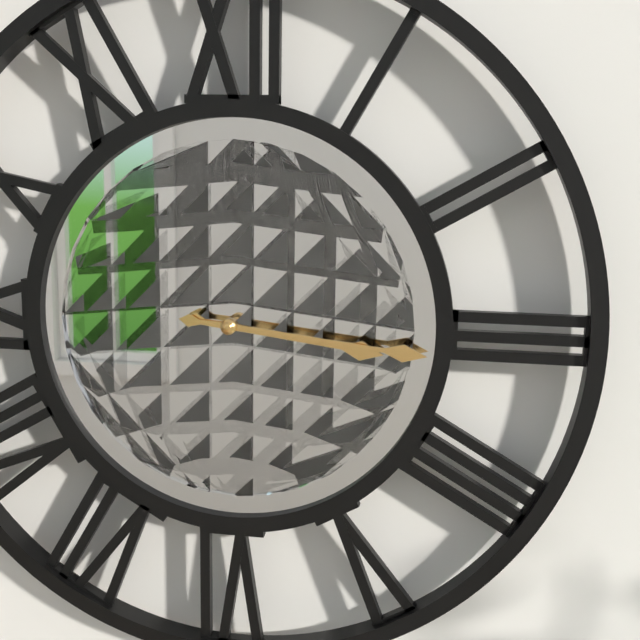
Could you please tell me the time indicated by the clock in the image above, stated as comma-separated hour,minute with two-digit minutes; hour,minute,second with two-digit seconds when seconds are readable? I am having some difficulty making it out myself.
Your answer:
3,16
